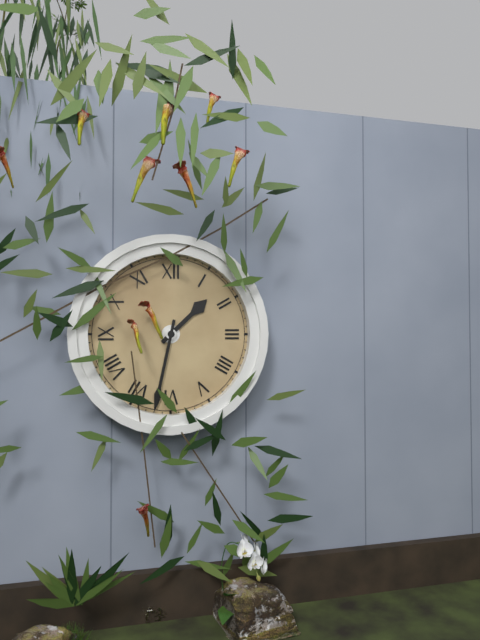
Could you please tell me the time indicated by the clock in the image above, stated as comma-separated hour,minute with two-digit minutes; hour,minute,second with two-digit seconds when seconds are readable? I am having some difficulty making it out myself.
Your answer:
1,32
